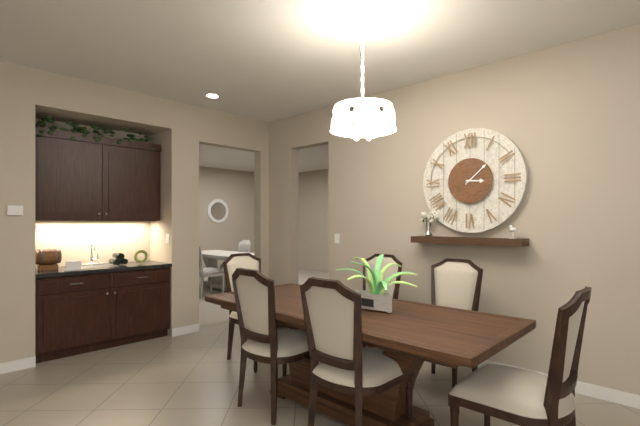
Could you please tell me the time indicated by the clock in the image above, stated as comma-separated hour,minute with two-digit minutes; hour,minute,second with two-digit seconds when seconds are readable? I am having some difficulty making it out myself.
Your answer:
3,08
